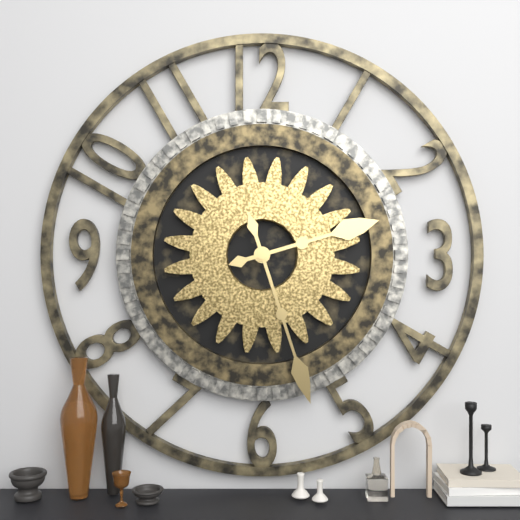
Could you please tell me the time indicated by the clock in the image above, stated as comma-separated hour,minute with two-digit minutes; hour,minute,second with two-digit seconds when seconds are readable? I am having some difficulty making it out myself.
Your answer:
2,27
